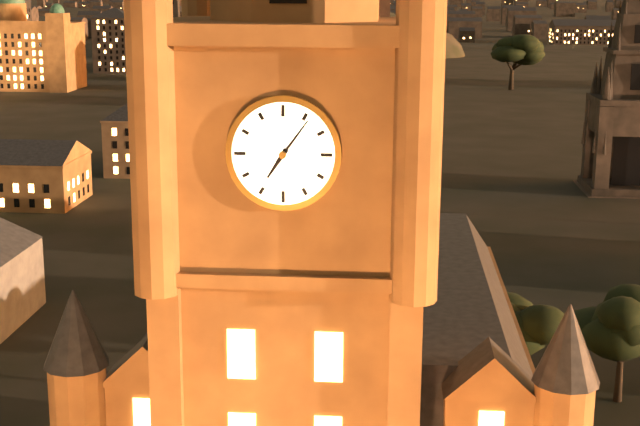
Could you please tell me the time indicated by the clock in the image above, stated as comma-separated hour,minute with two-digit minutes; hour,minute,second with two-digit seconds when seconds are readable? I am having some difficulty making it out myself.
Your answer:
7,06
